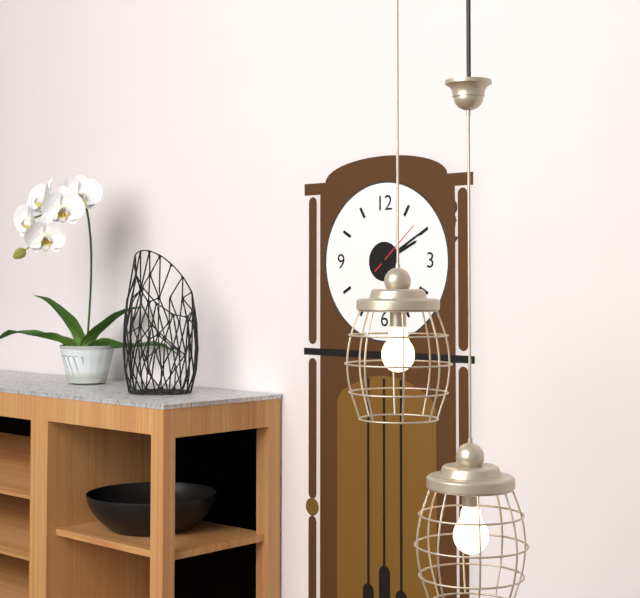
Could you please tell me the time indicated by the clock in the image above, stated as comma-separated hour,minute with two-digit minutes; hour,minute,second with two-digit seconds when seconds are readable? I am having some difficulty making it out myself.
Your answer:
2,10,08
